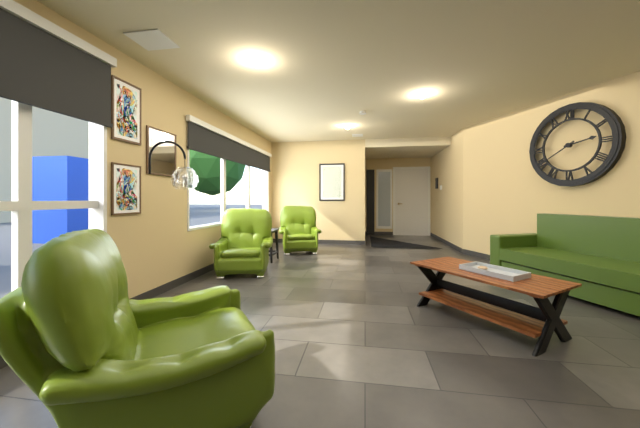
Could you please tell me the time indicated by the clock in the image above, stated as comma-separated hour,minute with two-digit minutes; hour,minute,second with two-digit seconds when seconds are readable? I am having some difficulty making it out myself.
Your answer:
2,40
